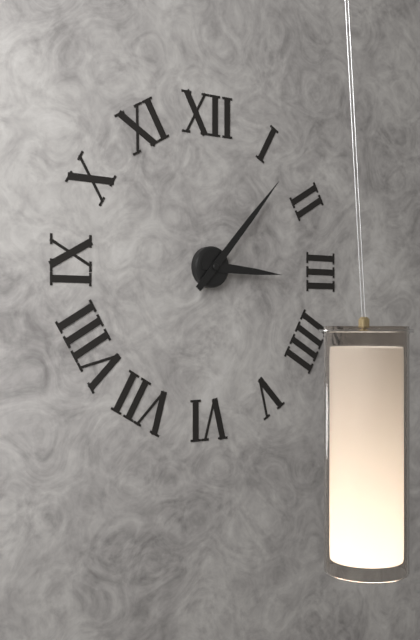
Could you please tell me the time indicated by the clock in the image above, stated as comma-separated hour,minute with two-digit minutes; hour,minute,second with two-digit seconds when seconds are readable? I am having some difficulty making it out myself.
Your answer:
3,07
